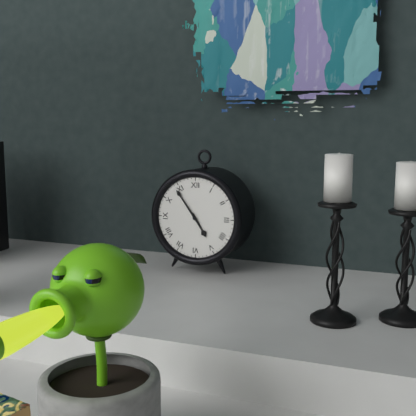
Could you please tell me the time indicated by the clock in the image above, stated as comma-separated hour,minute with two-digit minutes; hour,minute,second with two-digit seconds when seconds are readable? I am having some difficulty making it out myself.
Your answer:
4,54
